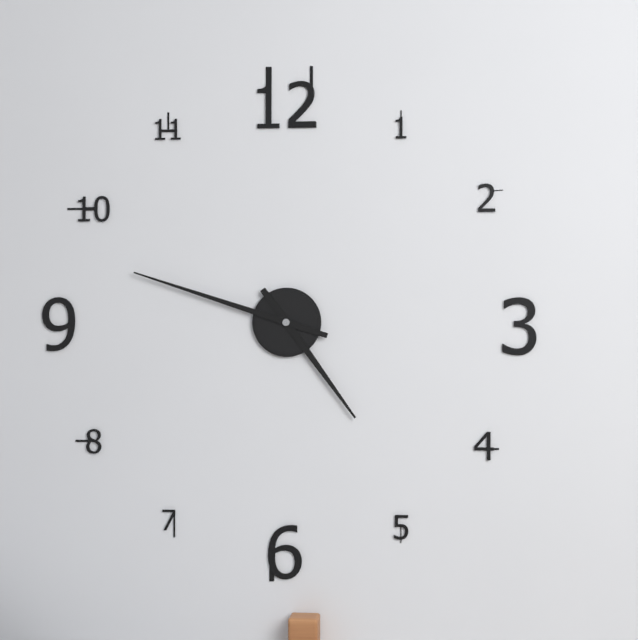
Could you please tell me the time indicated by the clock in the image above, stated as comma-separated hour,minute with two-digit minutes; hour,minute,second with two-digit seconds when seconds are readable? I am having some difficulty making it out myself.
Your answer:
4,48
